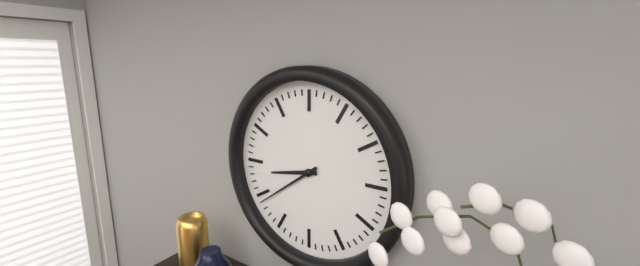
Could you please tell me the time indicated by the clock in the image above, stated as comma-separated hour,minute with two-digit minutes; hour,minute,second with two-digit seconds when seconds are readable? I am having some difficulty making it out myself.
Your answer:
8,39
